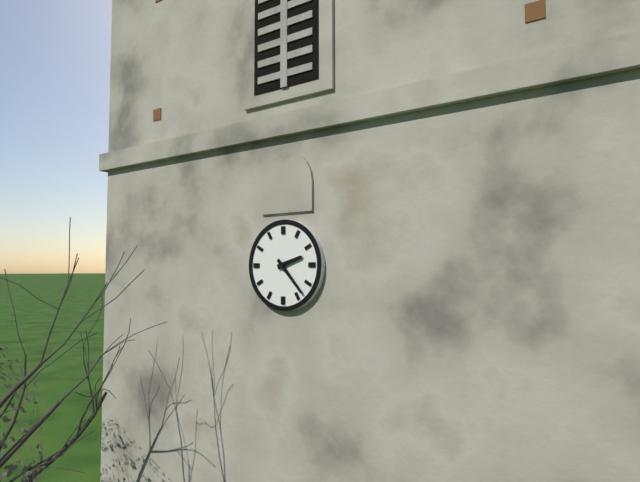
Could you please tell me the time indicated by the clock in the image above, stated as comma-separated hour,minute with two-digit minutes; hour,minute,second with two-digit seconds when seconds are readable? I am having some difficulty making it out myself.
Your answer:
2,23
